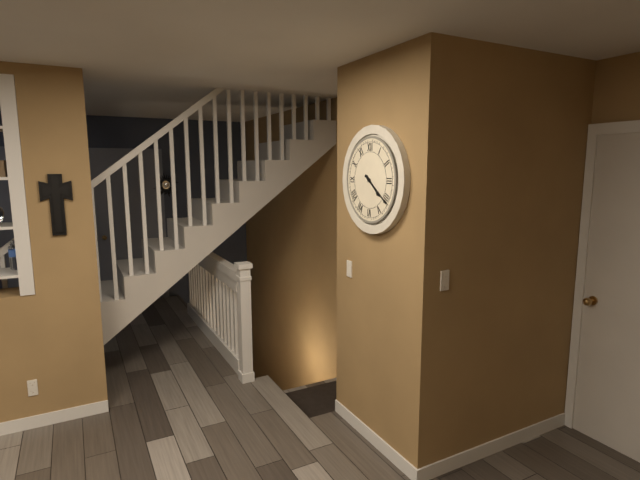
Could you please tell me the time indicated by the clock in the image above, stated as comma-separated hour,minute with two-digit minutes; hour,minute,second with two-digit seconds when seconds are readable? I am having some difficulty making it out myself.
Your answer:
4,21
